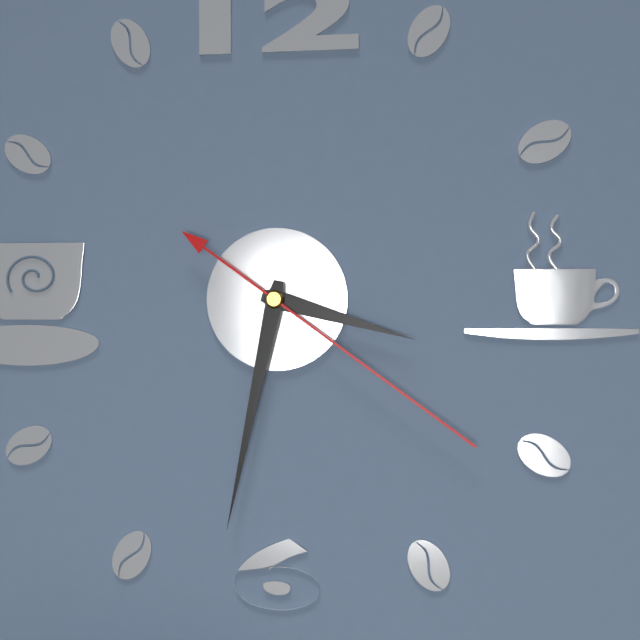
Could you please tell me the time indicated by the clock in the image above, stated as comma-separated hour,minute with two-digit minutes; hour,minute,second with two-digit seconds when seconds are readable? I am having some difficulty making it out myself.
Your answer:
3,32,21
